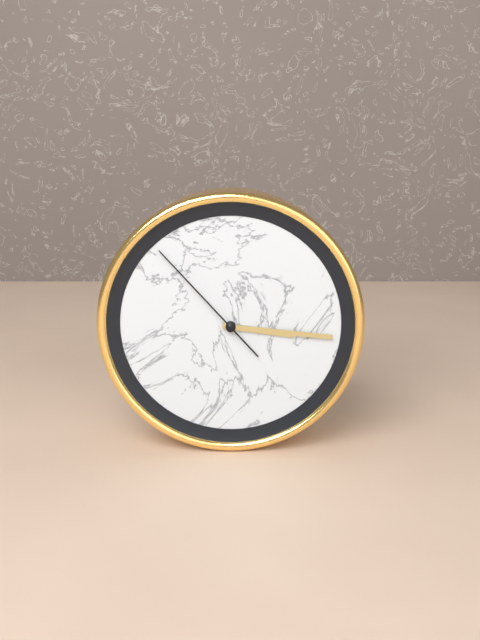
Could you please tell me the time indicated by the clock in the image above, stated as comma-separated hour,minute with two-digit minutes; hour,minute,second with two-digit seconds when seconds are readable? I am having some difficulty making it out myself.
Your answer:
3,16,53
